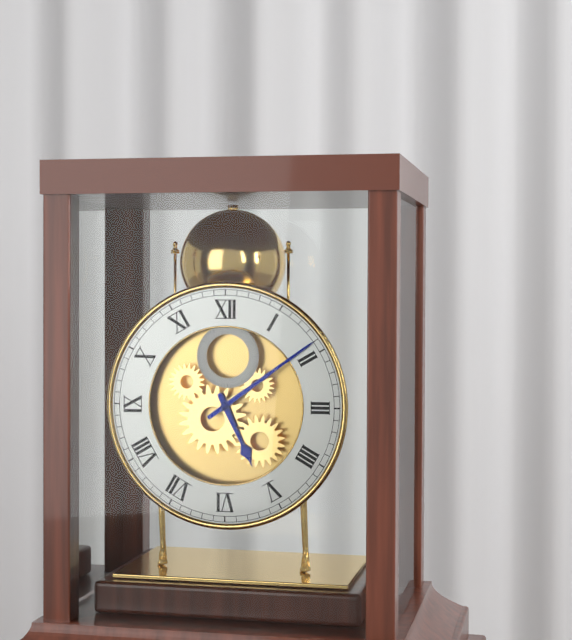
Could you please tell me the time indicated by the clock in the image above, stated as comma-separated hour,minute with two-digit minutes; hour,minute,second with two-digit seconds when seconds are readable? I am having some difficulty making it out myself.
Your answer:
5,09
